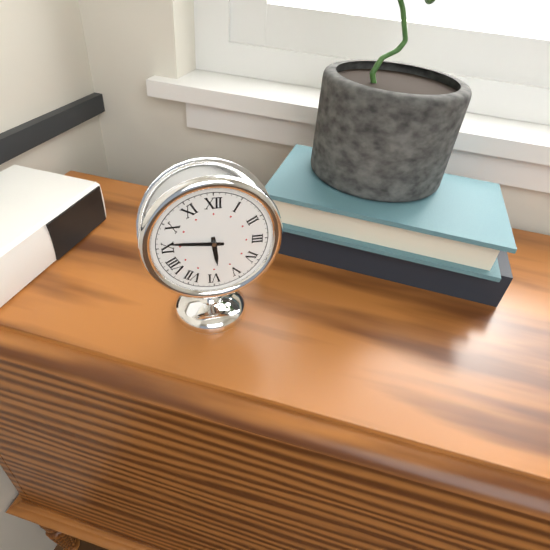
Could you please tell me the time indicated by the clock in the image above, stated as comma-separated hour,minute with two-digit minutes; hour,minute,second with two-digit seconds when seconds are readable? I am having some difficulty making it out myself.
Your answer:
5,46
